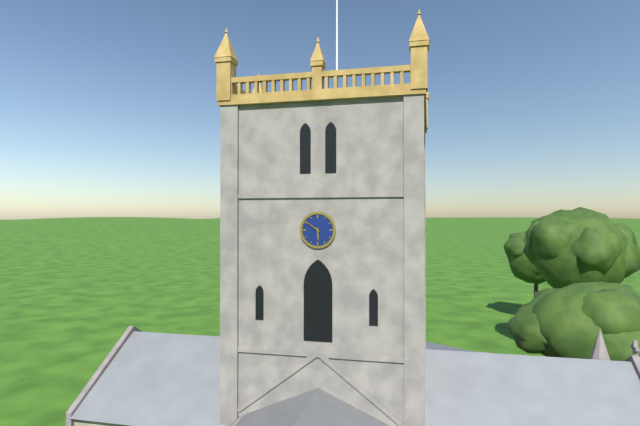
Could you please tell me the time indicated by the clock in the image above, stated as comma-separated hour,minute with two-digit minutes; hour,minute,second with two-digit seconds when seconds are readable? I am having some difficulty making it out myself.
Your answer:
5,51
